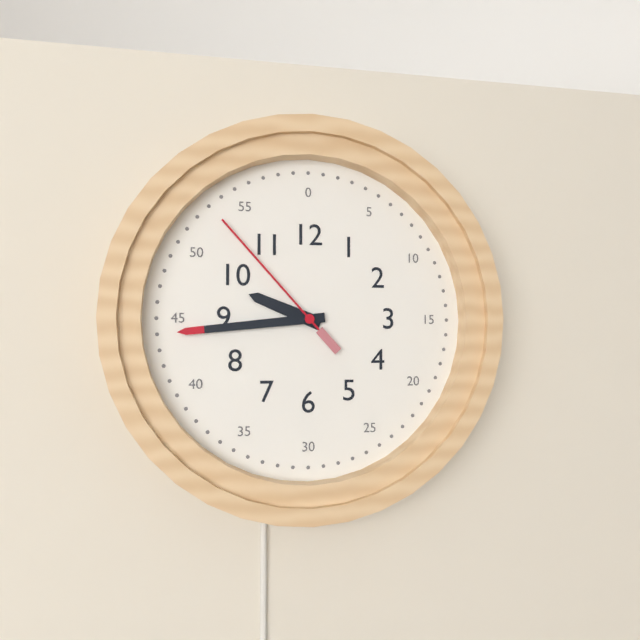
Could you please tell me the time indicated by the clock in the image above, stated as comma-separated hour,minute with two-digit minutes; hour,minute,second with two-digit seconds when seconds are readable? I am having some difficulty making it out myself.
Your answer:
9,44,53
